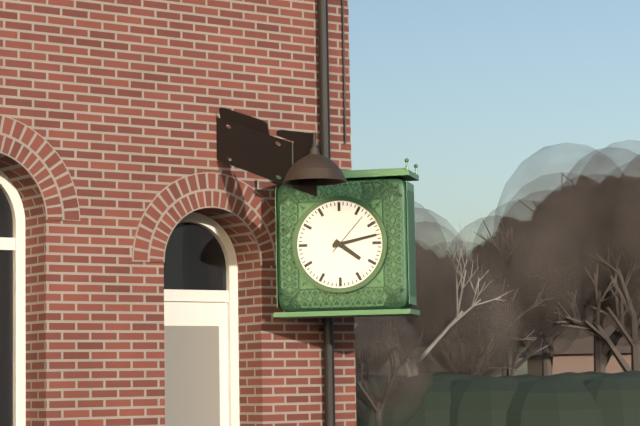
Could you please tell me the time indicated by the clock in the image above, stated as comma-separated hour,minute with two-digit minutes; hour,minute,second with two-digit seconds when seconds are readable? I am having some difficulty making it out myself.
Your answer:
4,13
